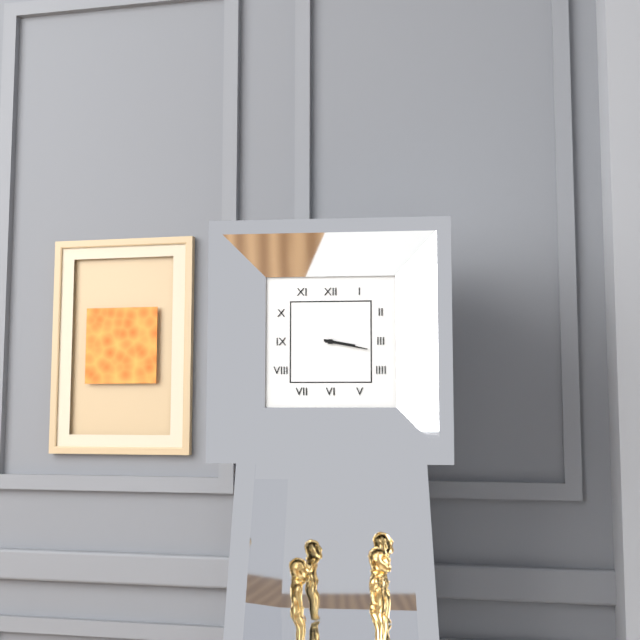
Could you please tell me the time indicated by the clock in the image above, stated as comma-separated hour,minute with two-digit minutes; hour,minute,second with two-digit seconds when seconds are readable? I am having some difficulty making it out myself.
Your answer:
3,17
